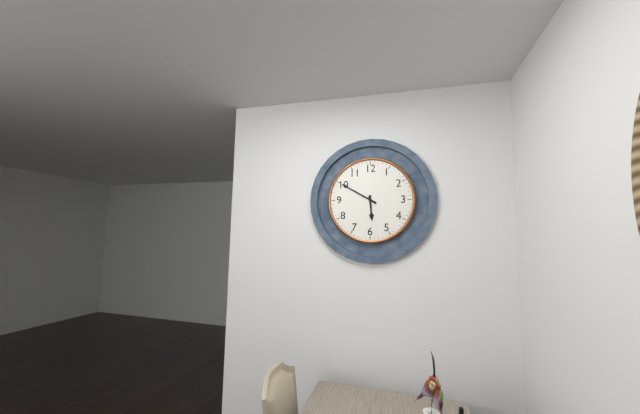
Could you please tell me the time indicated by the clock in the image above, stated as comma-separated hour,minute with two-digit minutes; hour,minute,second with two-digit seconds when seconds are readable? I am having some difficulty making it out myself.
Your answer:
5,50
